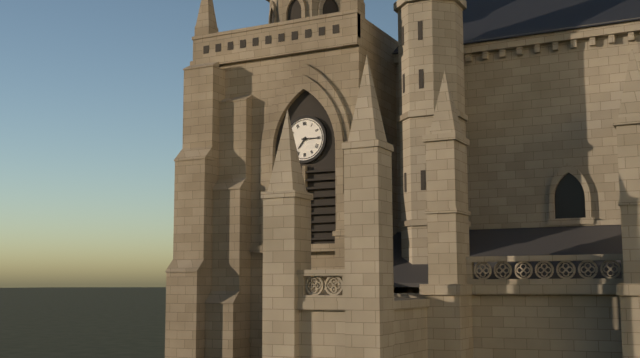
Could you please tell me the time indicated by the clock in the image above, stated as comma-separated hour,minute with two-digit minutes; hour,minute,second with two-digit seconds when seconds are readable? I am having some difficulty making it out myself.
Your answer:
7,15
